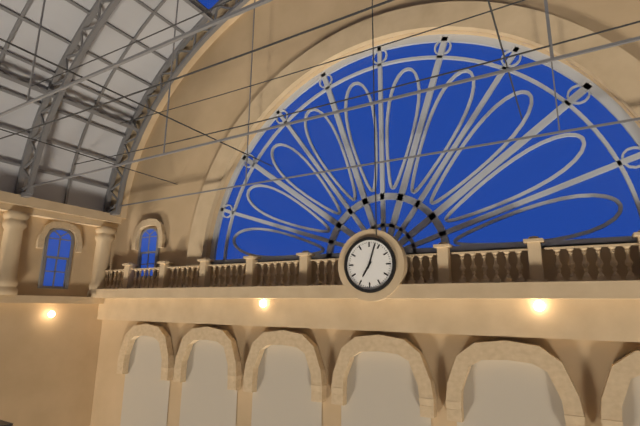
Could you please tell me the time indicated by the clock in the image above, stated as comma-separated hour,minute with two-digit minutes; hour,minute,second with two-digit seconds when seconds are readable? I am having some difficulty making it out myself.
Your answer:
7,03
